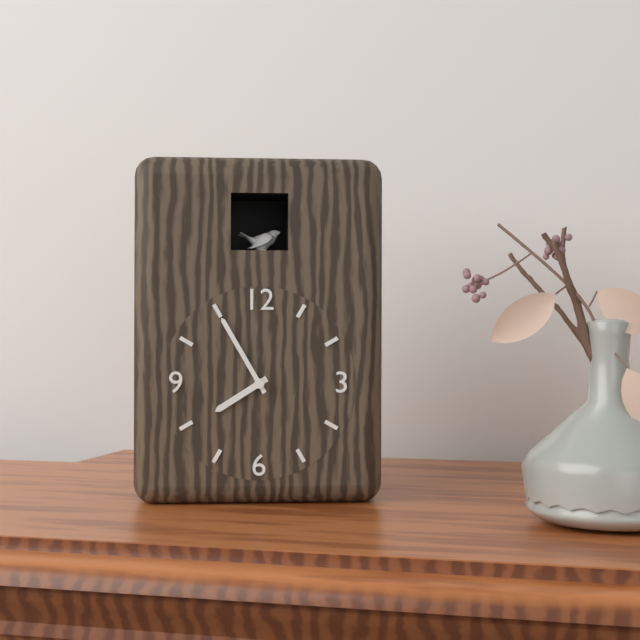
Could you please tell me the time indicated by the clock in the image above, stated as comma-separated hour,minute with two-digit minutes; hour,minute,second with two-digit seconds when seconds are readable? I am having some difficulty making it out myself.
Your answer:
7,55
